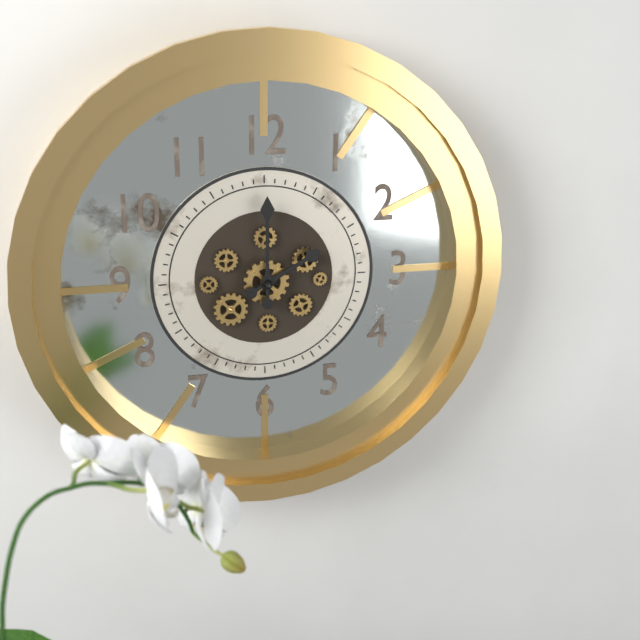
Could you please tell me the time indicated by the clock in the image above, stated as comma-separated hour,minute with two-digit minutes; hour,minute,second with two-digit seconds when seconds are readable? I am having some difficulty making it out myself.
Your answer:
2,00
